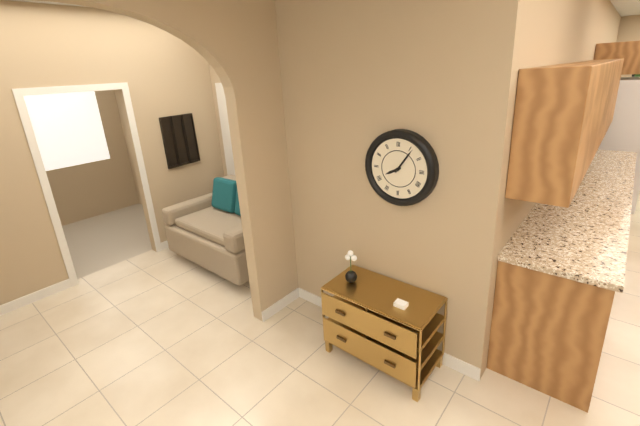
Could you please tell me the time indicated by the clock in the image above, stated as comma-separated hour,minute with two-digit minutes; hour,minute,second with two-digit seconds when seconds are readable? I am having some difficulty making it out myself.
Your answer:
8,06
